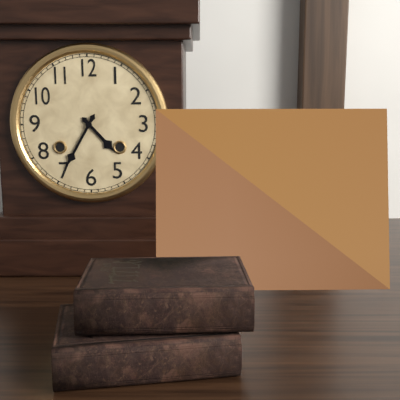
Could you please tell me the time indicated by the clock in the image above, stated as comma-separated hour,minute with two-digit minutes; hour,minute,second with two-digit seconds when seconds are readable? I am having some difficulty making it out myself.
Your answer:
4,35
